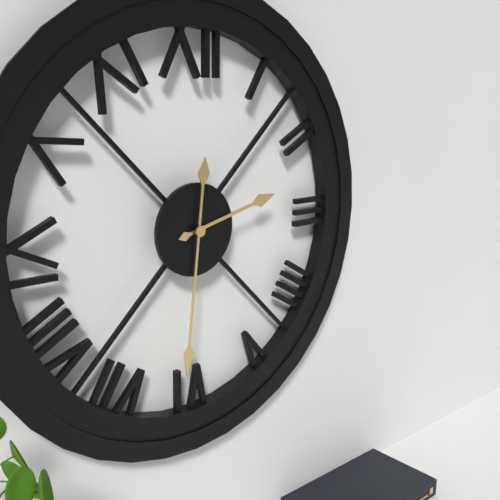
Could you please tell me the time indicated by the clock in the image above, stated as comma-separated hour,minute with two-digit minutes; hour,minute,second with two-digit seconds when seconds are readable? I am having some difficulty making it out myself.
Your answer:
2,31
